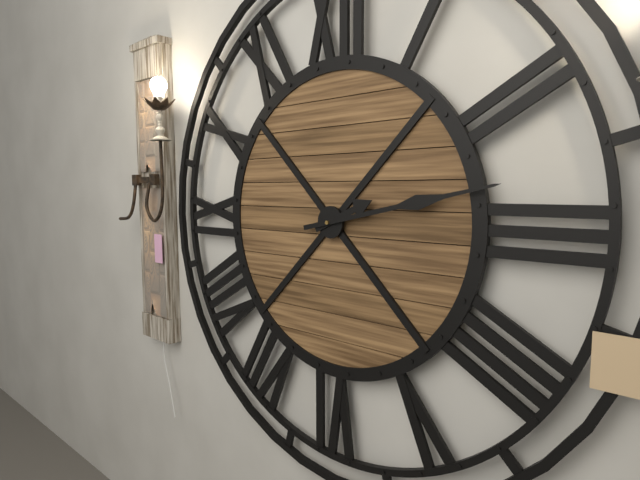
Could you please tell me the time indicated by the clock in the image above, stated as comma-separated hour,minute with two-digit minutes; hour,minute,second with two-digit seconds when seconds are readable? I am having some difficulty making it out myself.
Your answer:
2,13
